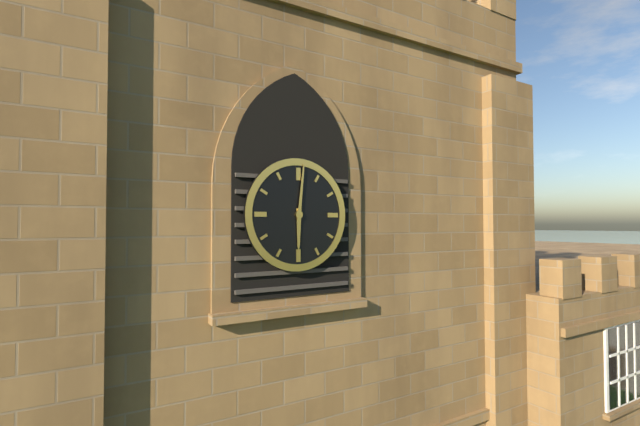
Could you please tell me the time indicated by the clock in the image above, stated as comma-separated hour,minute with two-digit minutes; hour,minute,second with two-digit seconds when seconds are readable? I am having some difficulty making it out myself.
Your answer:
6,01
